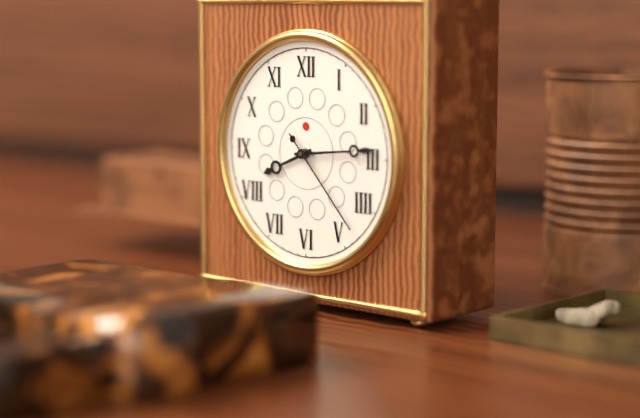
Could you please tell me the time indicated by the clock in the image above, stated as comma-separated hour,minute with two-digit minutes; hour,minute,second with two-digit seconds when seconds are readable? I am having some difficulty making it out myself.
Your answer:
8,14,23
